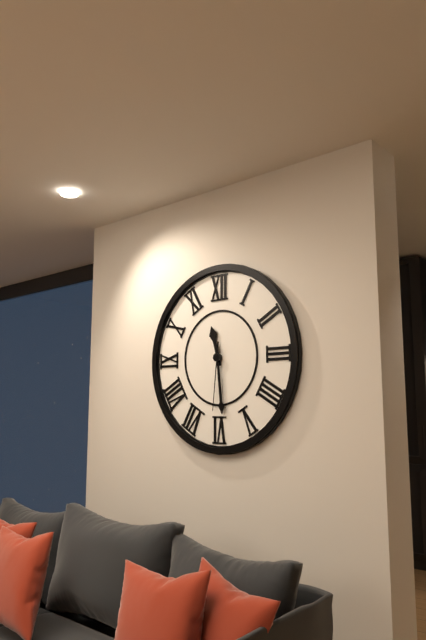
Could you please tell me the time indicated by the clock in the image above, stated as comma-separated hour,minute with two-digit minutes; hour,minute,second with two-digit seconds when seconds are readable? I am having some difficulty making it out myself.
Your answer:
11,29,31
